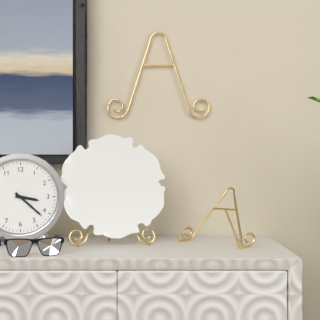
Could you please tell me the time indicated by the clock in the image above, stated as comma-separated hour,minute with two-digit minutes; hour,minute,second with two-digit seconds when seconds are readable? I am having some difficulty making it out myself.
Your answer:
3,22
